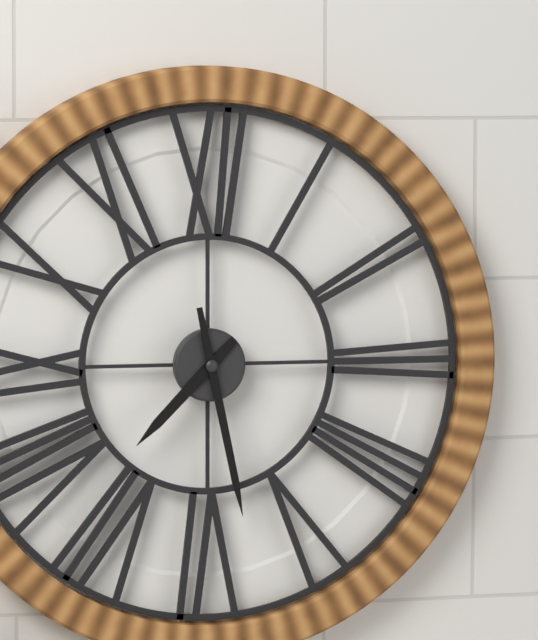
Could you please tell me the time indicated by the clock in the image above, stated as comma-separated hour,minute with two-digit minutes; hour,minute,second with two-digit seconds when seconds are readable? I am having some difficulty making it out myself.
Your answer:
7,28
